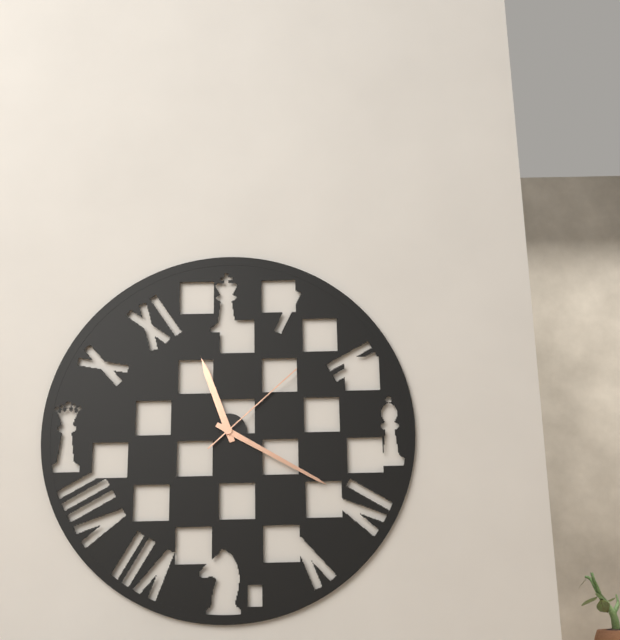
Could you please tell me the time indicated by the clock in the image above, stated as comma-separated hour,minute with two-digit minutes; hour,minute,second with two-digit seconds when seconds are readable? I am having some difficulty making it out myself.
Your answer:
11,20,08
